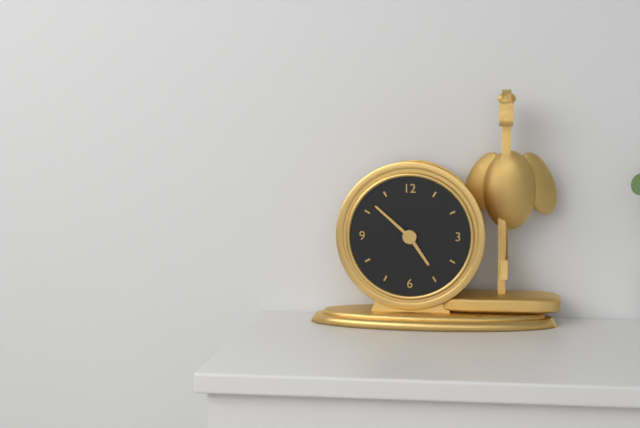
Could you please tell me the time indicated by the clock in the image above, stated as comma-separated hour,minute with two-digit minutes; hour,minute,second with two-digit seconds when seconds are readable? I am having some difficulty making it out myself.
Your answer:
4,52
